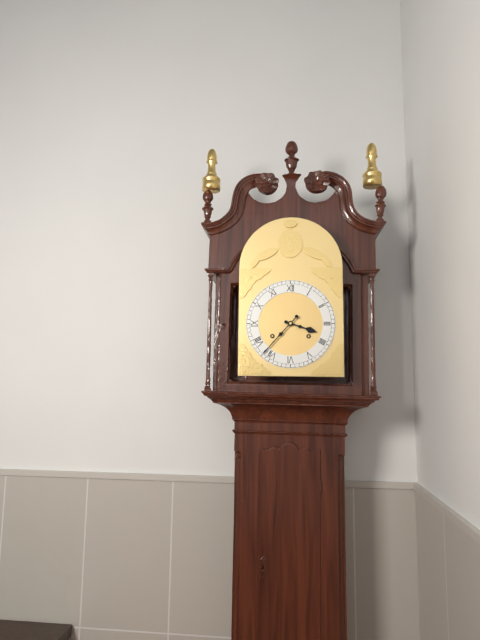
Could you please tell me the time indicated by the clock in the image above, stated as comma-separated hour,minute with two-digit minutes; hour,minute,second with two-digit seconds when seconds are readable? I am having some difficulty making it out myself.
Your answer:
3,37
